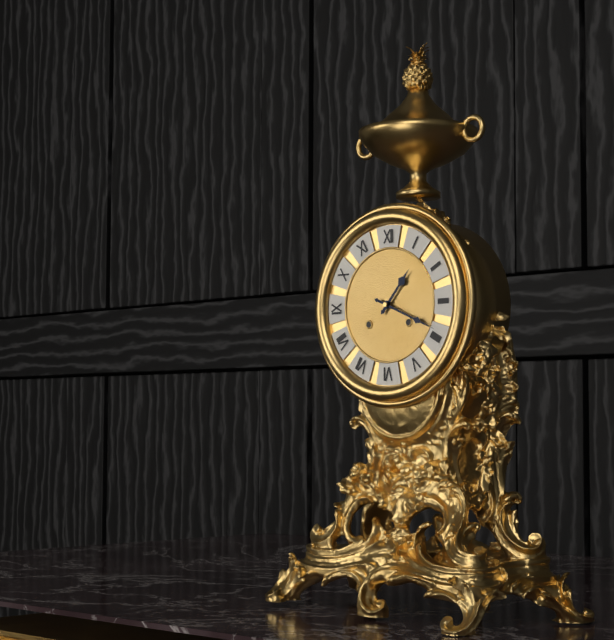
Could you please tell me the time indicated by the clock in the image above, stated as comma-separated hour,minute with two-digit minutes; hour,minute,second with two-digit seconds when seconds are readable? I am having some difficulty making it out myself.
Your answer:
1,19
